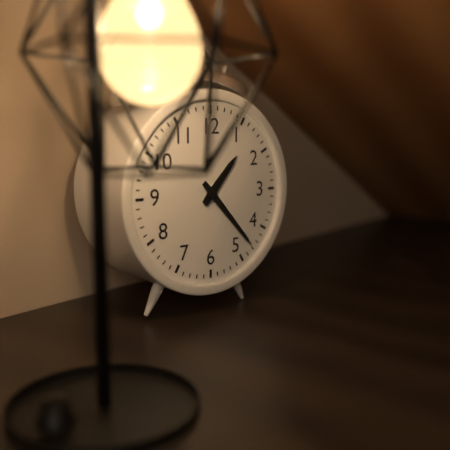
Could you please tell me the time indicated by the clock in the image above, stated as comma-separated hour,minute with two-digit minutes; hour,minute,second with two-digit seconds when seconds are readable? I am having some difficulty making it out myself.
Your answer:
1,23
